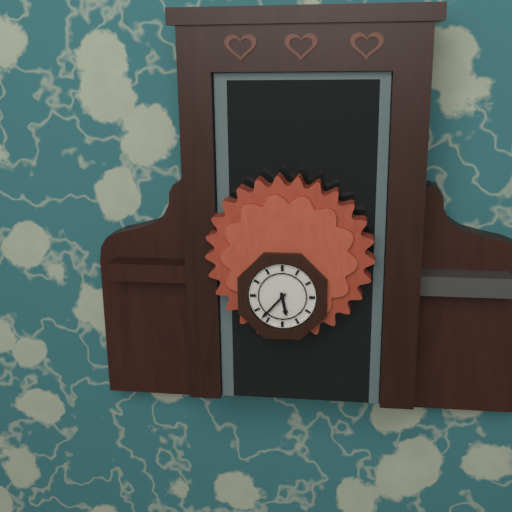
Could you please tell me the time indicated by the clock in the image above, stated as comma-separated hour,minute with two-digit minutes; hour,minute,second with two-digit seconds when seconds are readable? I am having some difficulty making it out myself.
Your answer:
5,37
